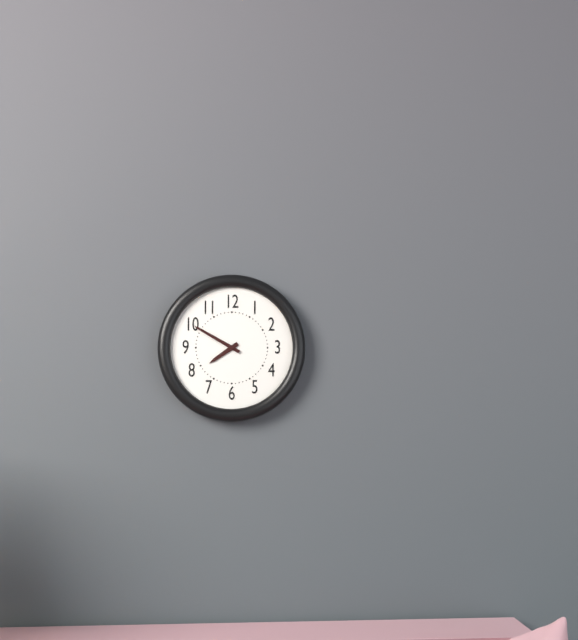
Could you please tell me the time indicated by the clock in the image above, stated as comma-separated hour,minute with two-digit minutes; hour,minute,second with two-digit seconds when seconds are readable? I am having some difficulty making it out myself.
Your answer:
7,50
